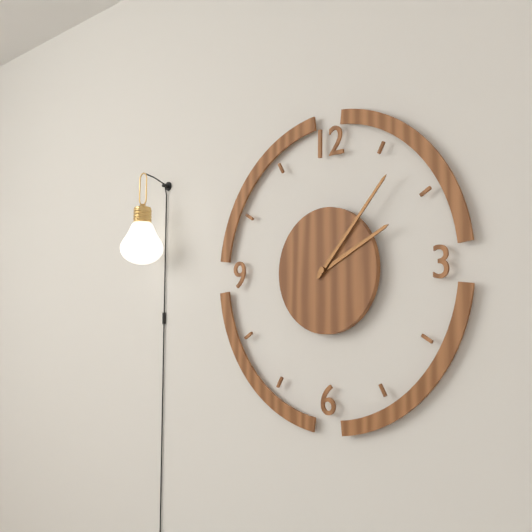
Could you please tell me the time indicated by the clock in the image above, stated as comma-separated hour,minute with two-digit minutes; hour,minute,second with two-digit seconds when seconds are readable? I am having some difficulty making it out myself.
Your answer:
2,07
